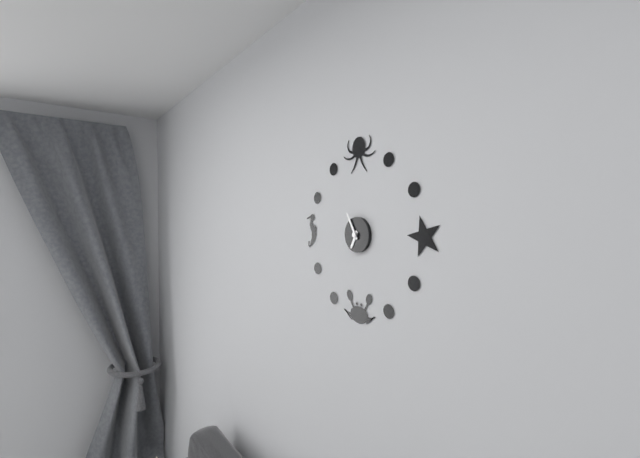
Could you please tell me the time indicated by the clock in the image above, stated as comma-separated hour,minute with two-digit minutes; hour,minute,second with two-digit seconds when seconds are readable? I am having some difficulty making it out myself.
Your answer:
6,55
